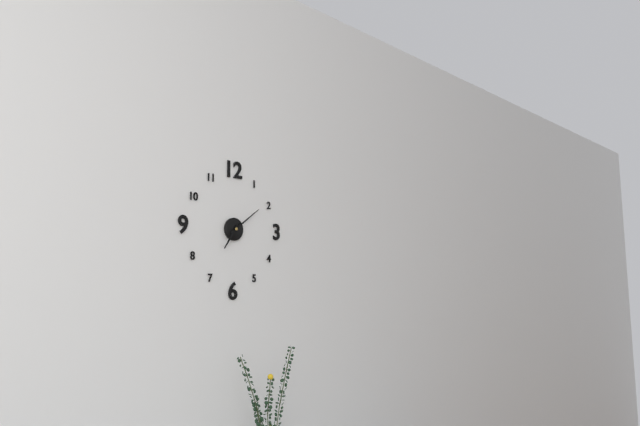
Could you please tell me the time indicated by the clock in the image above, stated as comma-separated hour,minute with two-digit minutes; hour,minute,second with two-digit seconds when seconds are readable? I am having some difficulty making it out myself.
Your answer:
7,09
